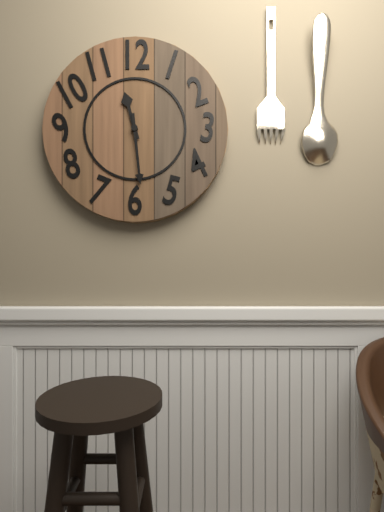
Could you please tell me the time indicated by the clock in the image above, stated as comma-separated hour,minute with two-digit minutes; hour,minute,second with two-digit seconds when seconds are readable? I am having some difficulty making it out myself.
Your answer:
11,29
